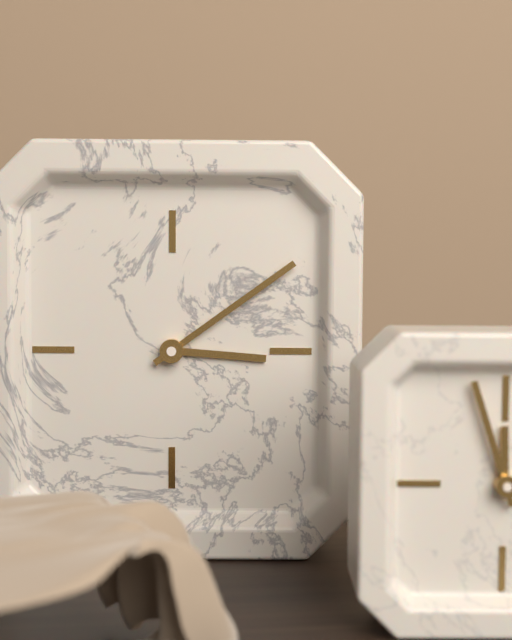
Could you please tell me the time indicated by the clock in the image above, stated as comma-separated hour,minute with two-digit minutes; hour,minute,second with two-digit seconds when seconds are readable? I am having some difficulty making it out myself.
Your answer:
3,09
